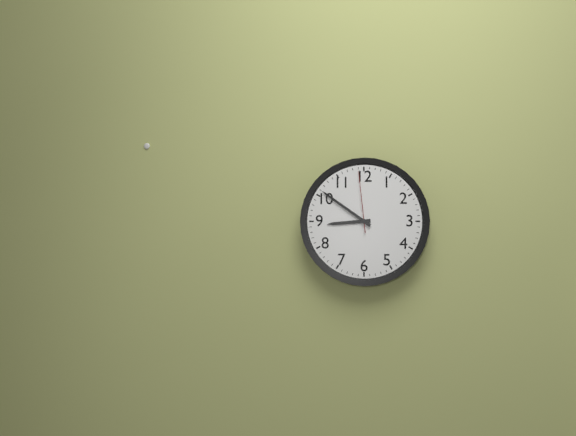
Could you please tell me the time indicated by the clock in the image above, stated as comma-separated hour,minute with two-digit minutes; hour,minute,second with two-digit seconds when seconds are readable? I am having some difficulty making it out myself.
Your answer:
8,51,59
